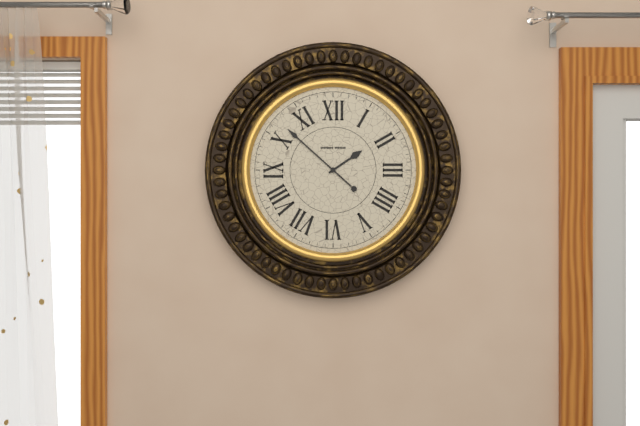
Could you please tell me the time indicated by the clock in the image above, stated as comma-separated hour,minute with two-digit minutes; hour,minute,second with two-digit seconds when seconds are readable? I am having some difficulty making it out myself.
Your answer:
1,52
